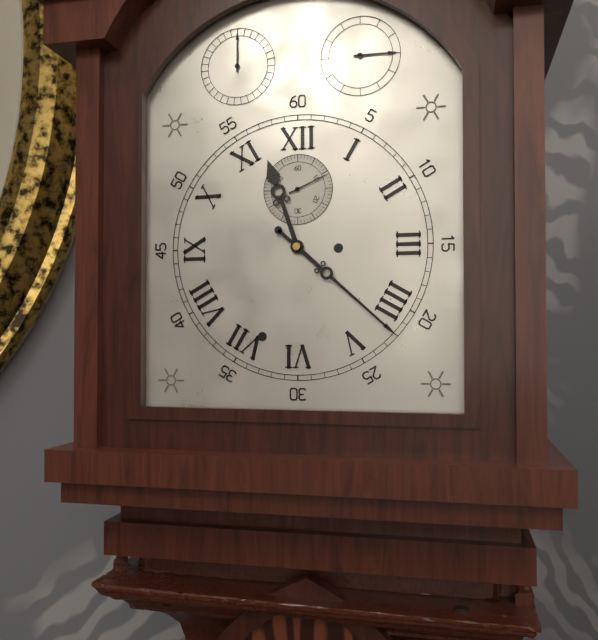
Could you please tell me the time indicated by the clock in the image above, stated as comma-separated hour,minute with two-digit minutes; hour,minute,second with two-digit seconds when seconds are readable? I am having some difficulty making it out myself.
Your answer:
11,22
